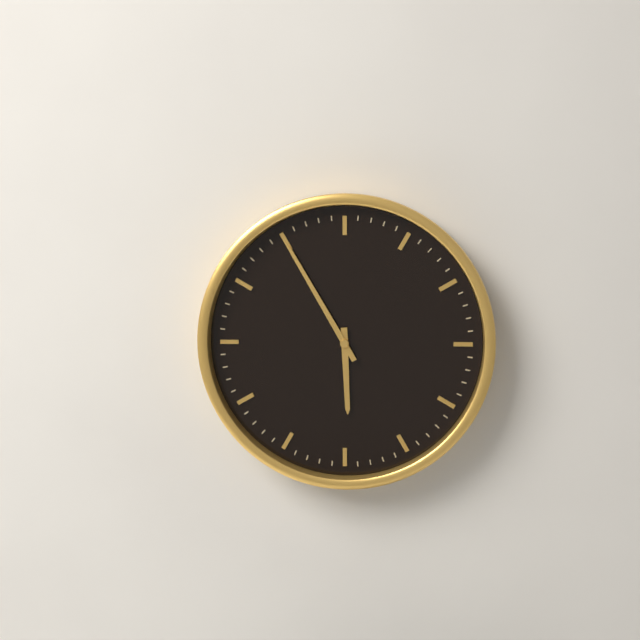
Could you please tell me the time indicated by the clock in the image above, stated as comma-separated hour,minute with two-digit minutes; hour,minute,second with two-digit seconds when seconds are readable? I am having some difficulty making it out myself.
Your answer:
5,55
